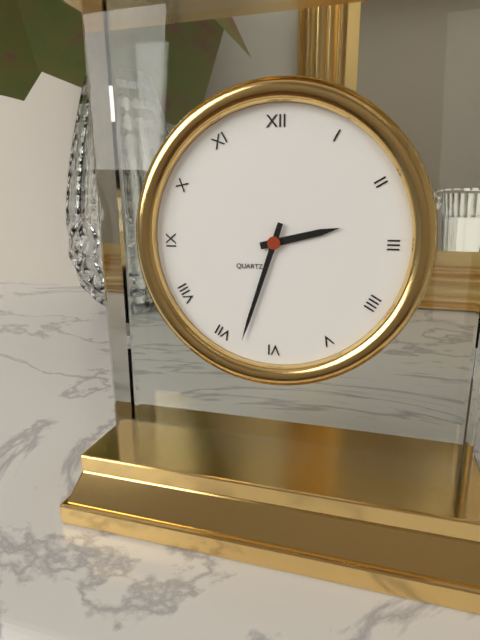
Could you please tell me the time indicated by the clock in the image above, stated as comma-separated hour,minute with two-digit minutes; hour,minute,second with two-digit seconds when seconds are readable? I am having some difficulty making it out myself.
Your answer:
2,33
